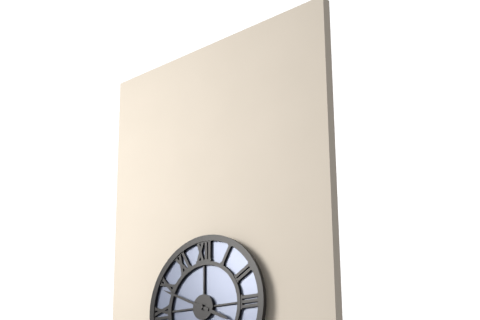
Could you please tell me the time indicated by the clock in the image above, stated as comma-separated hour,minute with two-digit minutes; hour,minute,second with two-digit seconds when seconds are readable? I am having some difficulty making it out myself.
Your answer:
3,49
